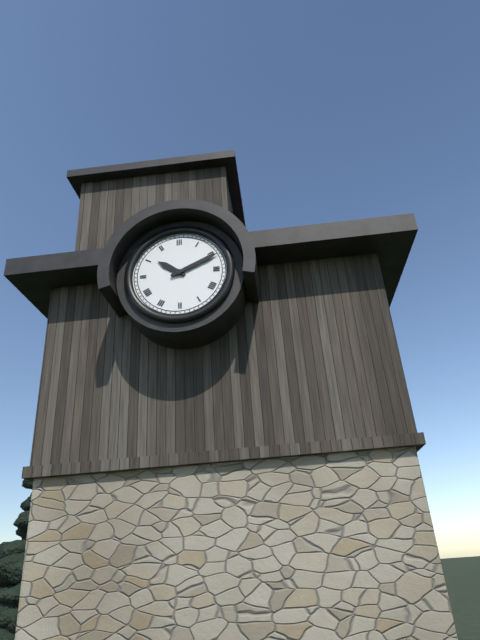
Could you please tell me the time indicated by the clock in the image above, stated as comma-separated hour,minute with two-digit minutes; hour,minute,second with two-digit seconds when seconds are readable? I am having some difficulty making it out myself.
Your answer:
10,11
